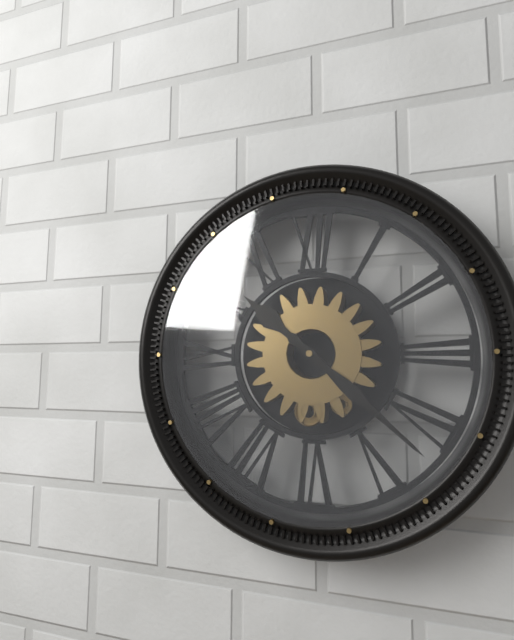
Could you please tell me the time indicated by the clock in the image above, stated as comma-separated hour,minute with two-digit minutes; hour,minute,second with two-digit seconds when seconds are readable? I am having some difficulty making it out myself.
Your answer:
10,22
